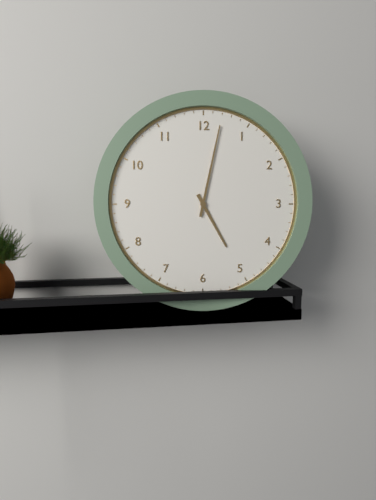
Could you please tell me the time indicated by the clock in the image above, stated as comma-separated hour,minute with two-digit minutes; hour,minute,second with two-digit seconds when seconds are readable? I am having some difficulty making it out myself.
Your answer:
5,02
